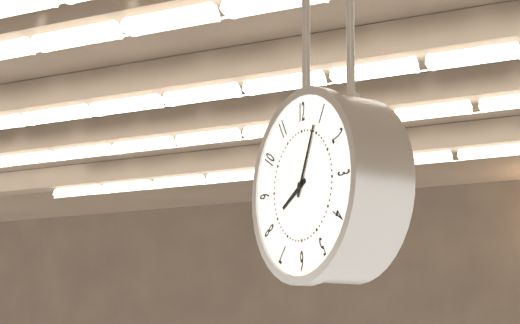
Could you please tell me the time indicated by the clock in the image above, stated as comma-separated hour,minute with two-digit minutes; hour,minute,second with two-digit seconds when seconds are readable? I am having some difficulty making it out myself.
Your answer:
8,04
